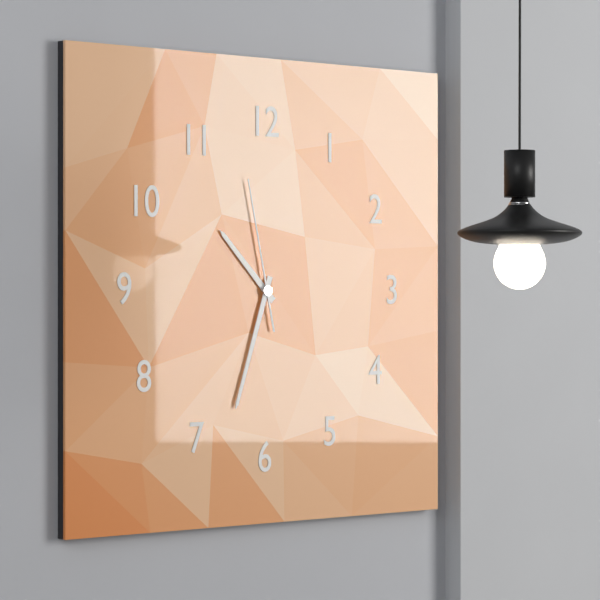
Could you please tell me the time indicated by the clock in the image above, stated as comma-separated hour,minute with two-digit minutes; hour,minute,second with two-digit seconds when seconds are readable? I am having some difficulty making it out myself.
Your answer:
10,33,58
